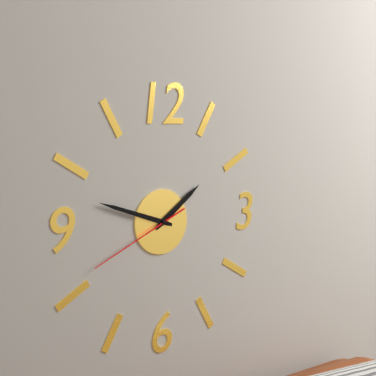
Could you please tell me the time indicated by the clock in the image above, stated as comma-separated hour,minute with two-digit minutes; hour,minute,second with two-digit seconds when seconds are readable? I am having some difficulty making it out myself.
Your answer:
1,48,41
